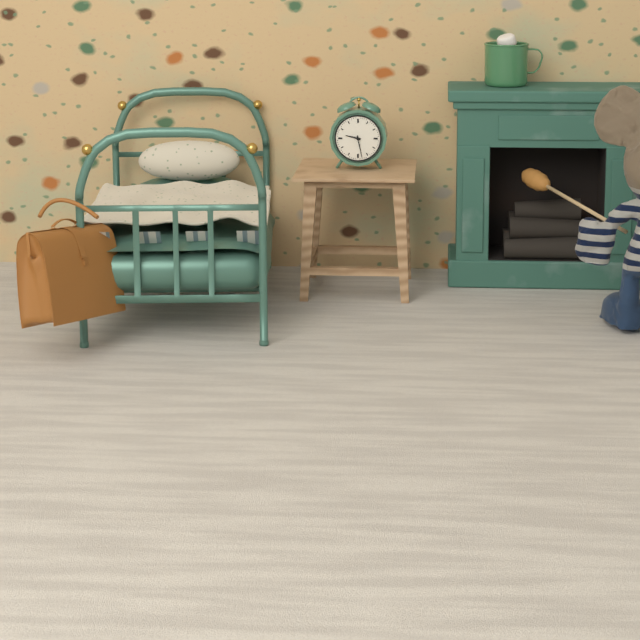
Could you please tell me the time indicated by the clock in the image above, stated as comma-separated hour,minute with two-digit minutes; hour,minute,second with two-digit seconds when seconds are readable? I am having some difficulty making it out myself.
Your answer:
9,28
